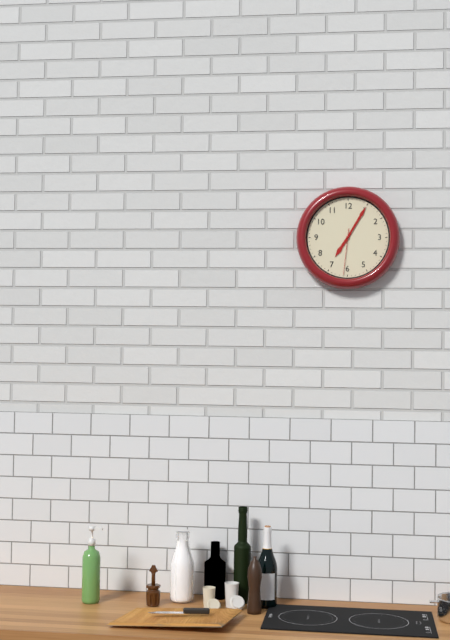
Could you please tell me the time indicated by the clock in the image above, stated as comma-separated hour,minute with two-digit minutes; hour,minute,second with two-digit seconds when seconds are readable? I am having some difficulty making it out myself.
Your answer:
7,05
